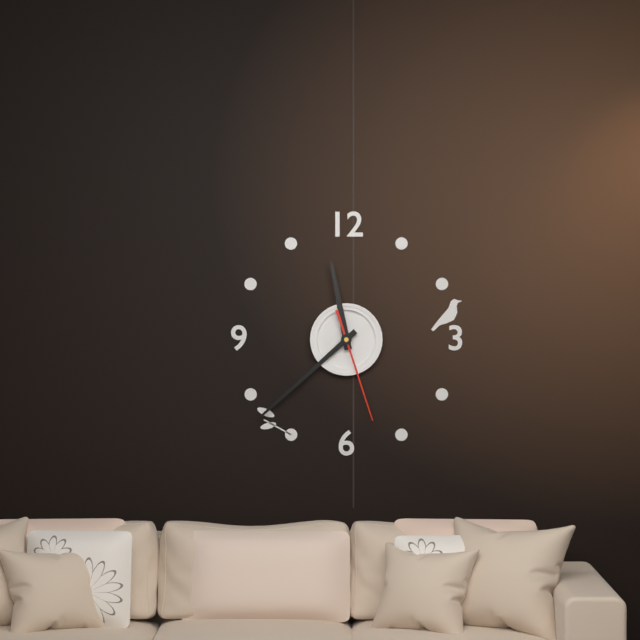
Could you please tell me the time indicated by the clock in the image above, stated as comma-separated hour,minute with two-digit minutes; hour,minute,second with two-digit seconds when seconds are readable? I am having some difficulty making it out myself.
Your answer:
11,38,27
